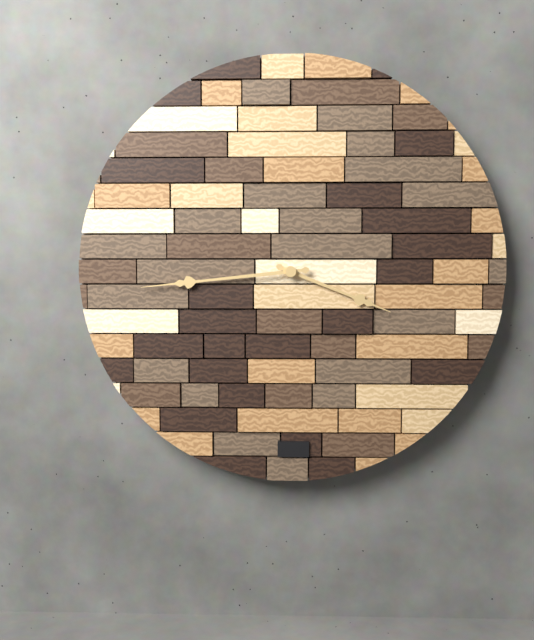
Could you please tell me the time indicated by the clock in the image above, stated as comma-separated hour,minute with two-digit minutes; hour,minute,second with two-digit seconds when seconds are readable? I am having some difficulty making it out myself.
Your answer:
3,44
